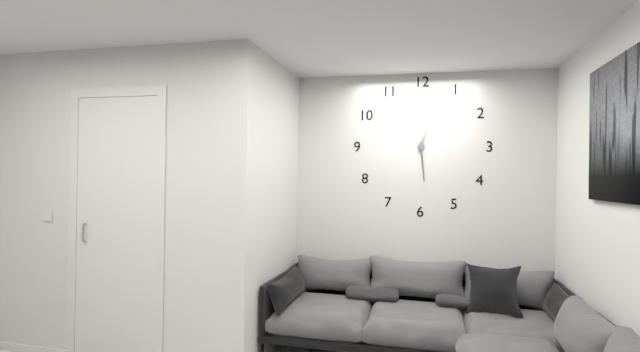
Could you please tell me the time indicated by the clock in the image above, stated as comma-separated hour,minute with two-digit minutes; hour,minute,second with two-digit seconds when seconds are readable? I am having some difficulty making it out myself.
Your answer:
12,29
